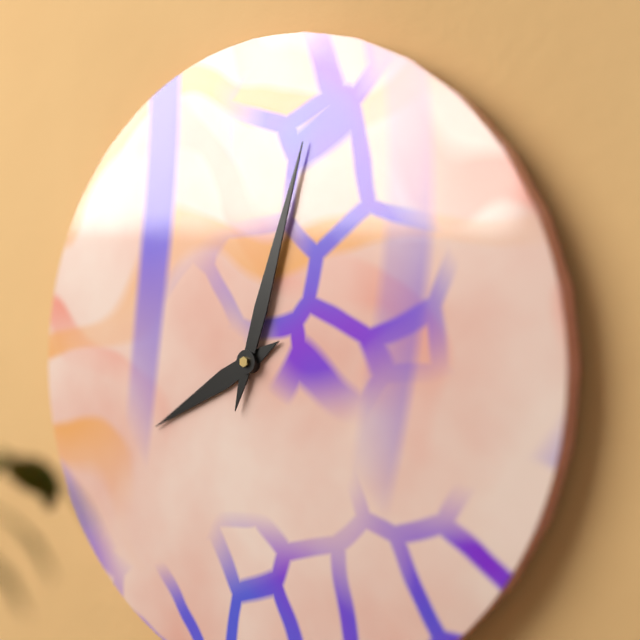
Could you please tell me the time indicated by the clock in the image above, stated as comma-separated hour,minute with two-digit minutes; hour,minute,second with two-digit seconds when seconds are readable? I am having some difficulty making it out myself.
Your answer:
8,03
